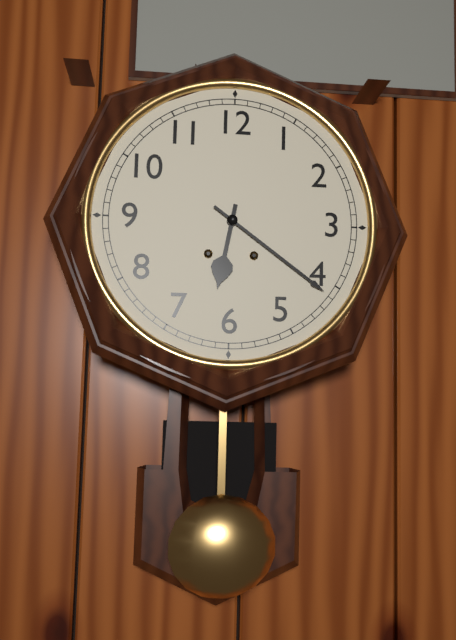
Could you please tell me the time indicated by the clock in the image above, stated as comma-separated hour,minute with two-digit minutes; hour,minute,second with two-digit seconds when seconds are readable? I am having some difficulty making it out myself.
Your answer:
6,21
